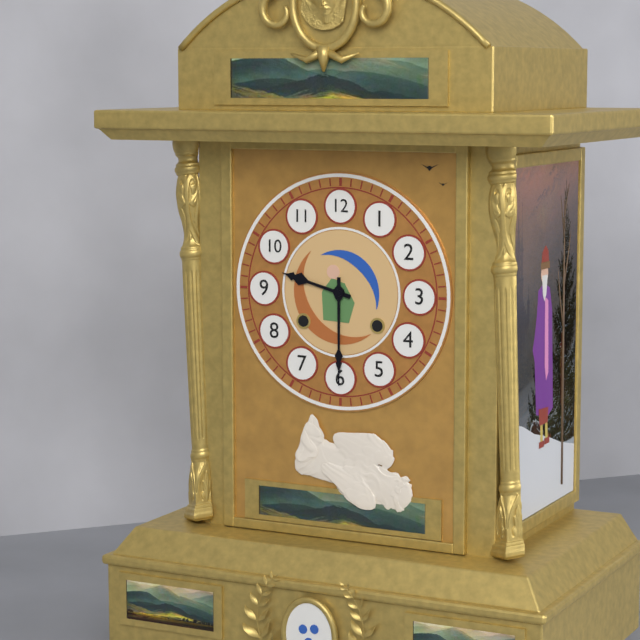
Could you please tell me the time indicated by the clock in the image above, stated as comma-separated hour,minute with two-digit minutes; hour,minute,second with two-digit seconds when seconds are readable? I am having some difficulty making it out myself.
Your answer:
9,30
